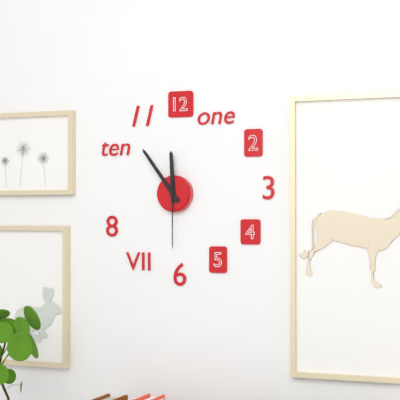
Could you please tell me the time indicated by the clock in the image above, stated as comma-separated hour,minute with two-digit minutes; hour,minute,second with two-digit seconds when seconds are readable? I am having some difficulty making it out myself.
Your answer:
11,54,30
